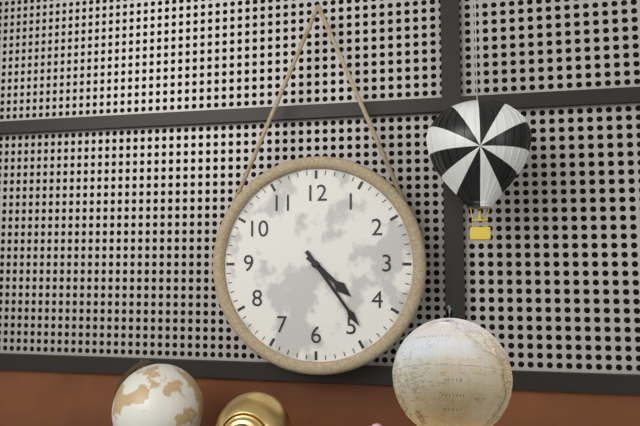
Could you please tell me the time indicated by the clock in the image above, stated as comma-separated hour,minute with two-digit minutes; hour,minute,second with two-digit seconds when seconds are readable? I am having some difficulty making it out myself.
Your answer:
4,24
